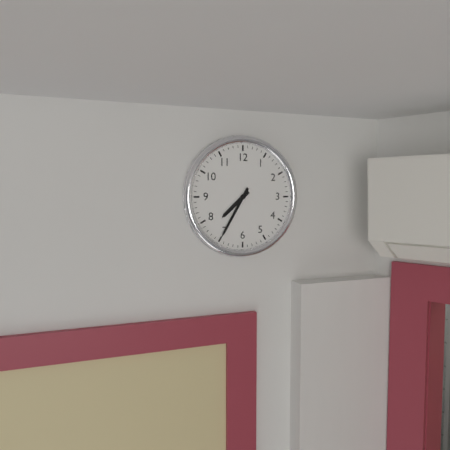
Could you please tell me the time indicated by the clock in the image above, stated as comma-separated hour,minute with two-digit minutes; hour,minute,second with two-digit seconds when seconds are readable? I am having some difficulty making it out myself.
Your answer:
7,35
